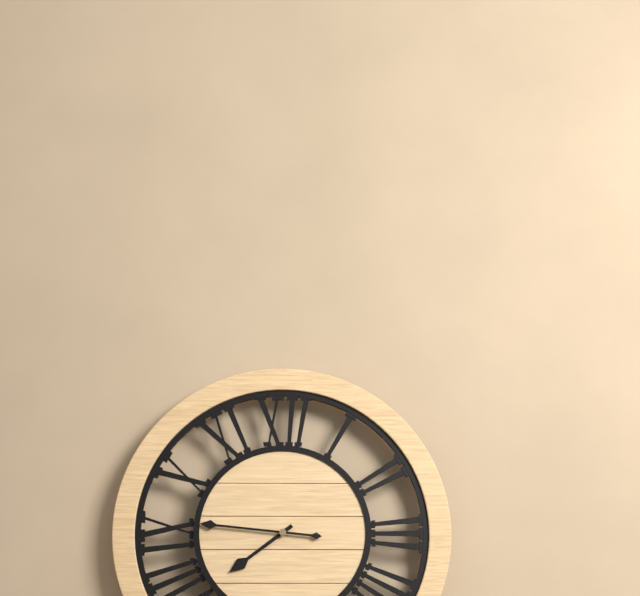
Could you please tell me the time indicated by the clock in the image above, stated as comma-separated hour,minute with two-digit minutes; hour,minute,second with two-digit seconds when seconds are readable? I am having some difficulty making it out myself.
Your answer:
7,46
